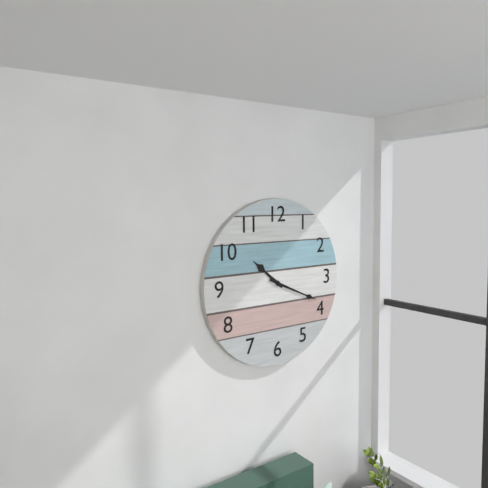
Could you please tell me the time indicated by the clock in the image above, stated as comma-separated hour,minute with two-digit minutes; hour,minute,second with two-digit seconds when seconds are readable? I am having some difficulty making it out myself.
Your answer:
10,19
